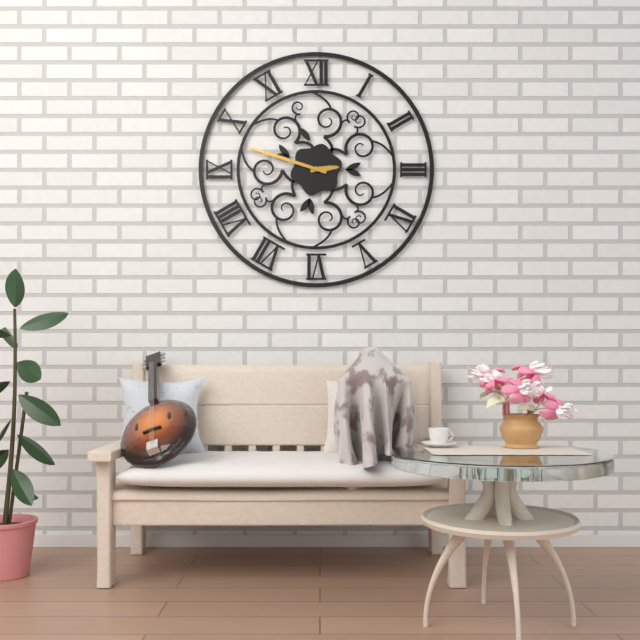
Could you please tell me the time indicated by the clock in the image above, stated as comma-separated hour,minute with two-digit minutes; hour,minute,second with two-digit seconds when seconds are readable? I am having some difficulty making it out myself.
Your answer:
2,48
